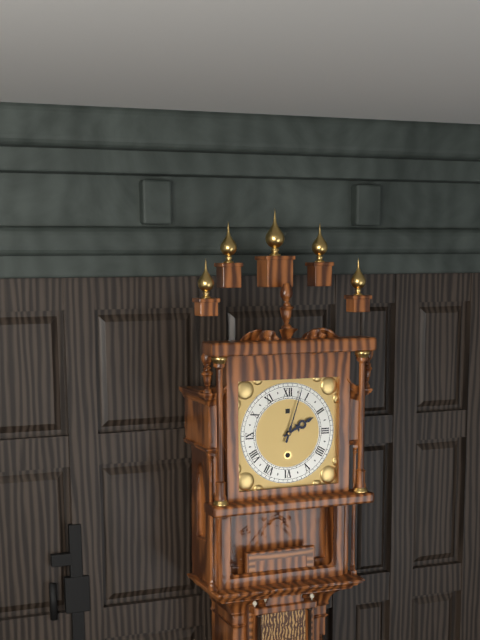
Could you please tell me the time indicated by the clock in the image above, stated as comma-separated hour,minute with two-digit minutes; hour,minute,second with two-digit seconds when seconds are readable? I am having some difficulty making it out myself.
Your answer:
2,03
